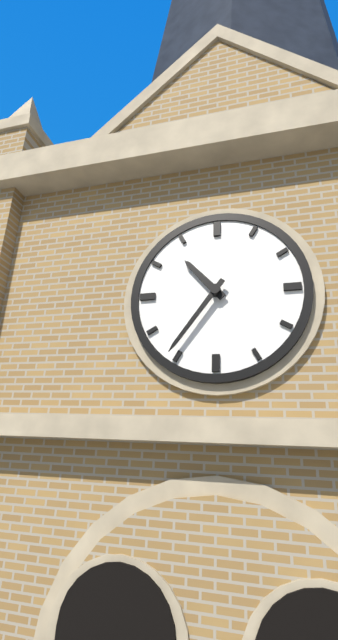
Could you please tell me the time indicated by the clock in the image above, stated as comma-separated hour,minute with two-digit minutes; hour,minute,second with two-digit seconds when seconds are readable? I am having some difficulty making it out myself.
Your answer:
10,36
